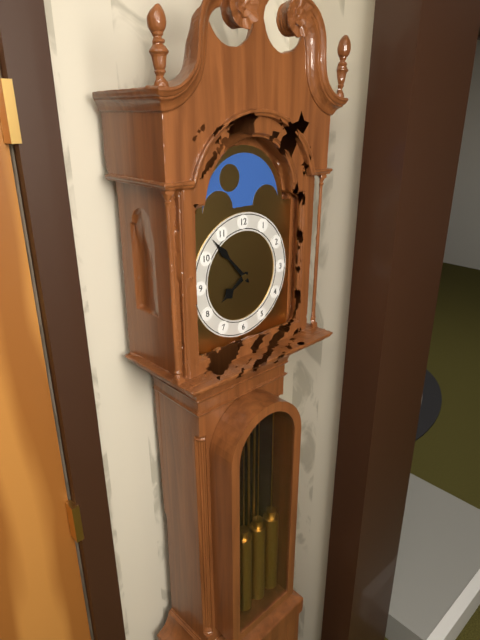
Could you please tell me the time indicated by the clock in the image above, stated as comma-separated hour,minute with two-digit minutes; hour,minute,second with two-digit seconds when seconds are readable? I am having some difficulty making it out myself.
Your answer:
7,53
